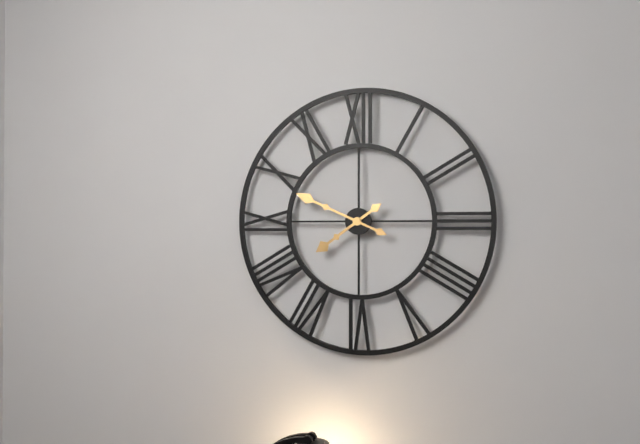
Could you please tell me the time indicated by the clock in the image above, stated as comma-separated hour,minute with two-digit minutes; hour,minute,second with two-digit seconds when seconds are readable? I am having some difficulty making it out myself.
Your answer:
7,49
